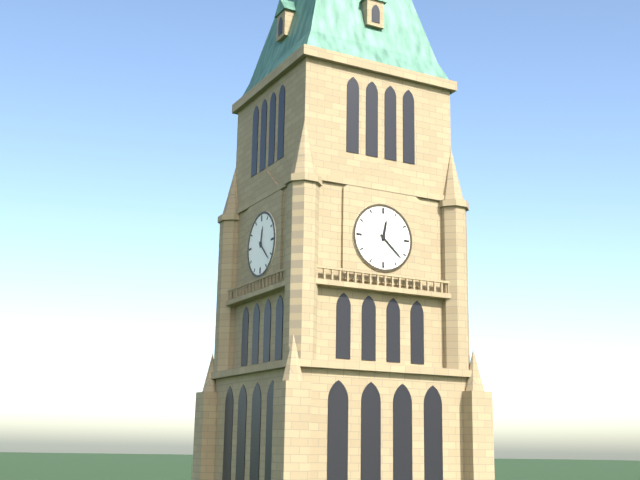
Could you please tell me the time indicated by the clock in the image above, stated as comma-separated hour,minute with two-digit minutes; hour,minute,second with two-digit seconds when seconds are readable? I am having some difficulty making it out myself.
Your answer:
12,22
